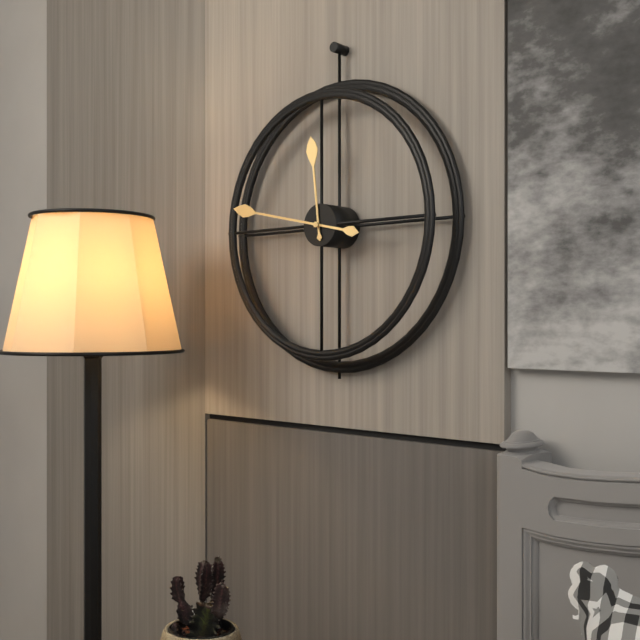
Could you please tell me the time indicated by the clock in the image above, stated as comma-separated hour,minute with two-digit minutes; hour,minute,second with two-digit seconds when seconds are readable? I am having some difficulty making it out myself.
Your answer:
11,47
